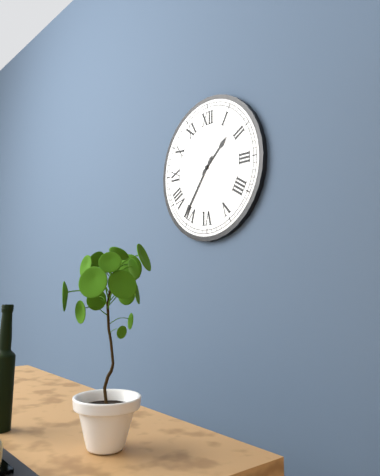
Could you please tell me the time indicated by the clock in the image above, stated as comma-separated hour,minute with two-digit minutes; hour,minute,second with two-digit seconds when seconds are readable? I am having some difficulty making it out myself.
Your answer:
1,36
